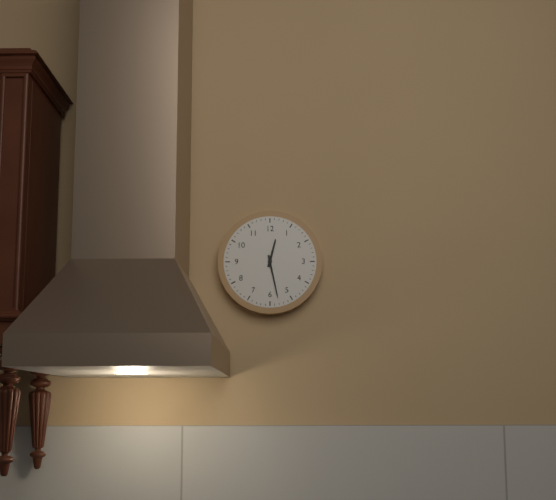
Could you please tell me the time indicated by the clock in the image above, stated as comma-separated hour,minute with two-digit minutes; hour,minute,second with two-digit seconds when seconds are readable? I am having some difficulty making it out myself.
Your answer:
12,28
